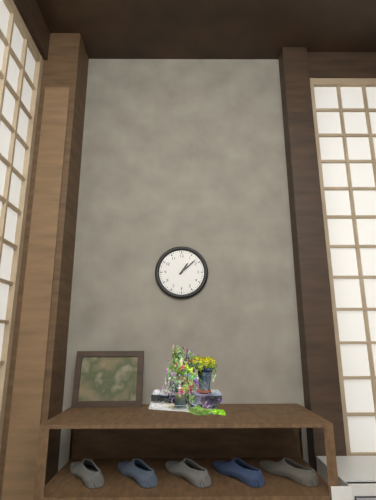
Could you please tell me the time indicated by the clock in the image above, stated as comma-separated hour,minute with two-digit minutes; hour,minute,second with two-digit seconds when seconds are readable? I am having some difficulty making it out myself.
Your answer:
1,08
